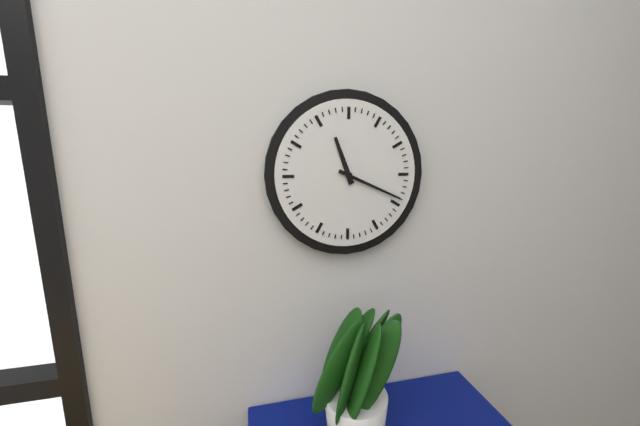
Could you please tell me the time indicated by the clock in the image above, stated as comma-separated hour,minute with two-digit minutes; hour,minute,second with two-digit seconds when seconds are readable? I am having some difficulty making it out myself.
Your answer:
11,19
